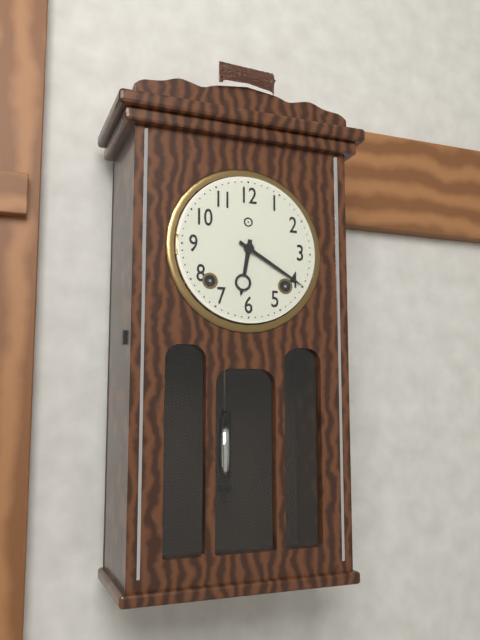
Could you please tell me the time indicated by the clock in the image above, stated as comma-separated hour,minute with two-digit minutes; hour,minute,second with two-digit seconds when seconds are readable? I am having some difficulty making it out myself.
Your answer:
6,20
